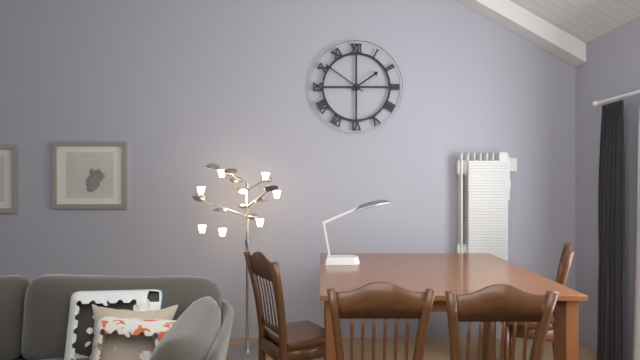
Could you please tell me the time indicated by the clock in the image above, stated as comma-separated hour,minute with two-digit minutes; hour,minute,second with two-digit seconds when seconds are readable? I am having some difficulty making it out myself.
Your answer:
1,51
